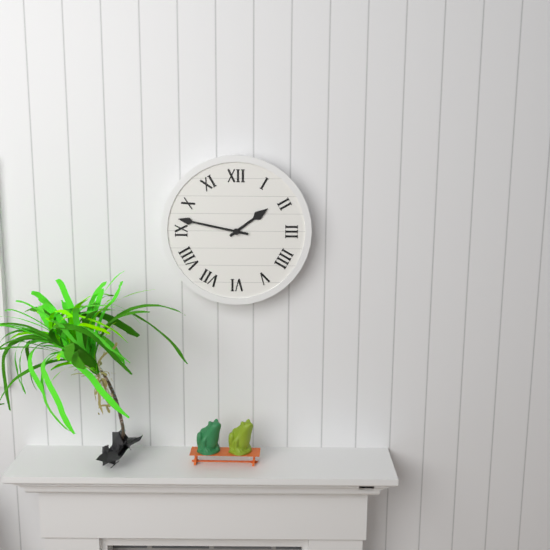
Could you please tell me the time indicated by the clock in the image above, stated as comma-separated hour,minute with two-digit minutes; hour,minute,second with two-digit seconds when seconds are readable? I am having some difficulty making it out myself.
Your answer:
1,47
